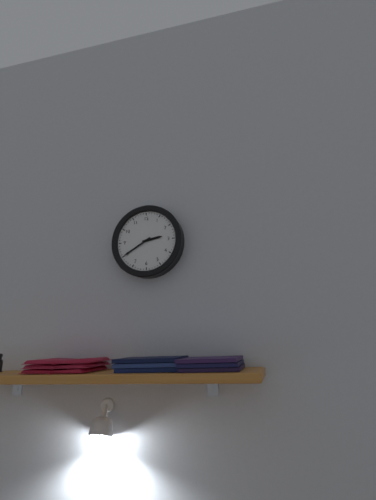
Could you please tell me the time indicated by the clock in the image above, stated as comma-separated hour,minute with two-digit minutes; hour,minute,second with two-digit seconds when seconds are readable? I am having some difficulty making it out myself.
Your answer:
2,40
